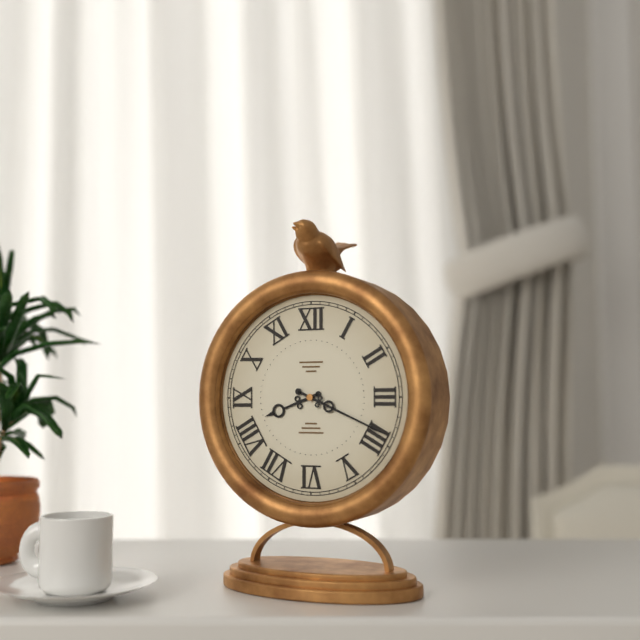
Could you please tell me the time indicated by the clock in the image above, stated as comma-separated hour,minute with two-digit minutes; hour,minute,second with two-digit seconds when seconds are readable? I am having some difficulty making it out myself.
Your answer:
8,19
